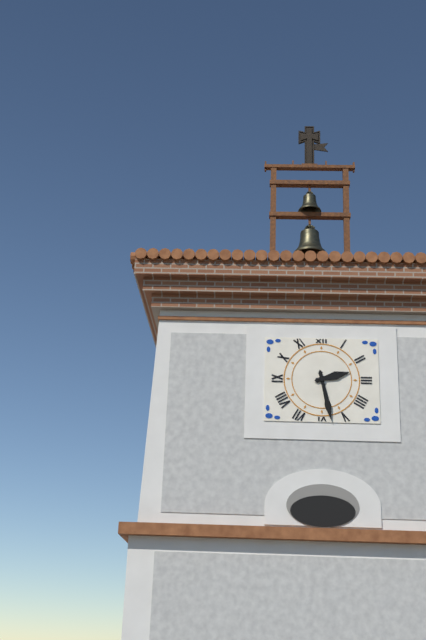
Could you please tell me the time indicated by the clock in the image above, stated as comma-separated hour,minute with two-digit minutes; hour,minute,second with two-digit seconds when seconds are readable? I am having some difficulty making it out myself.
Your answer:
2,28
